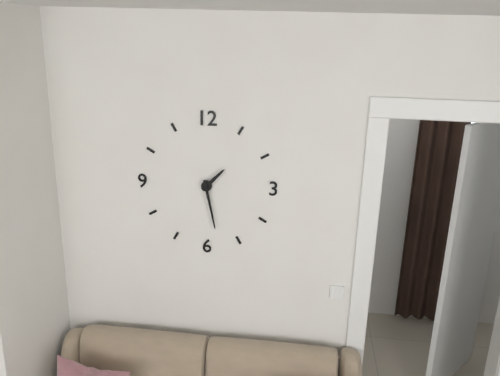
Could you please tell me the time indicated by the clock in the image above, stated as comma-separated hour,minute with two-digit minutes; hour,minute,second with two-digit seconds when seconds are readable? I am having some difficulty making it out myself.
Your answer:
1,28
